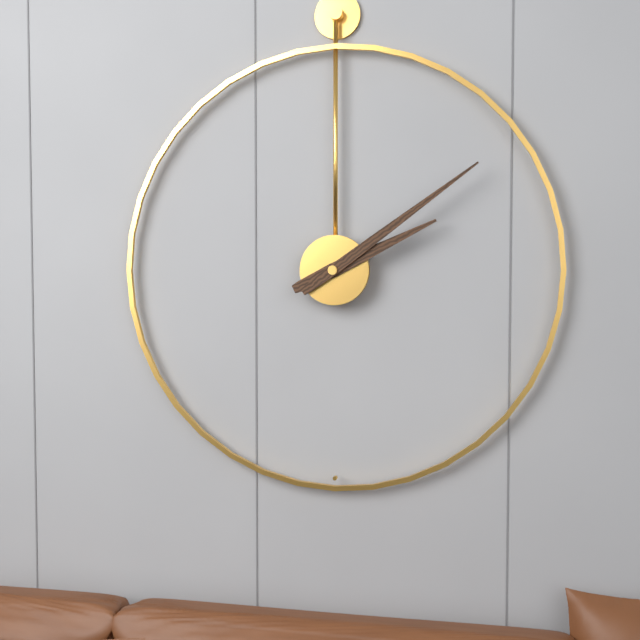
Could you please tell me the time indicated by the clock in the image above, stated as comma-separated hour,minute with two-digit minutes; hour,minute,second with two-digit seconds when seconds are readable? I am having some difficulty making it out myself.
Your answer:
2,09
